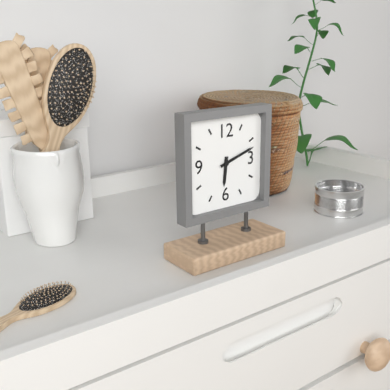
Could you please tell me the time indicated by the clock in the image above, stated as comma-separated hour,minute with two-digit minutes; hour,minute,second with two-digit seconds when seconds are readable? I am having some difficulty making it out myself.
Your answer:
6,12
